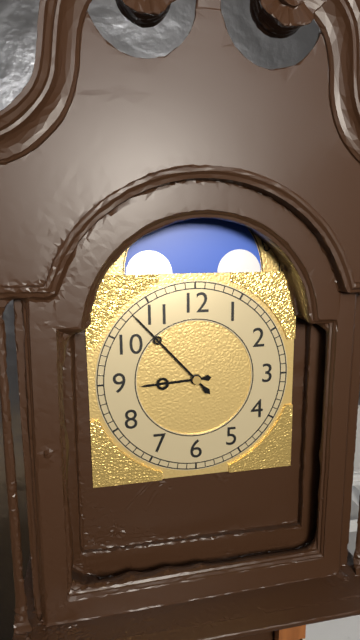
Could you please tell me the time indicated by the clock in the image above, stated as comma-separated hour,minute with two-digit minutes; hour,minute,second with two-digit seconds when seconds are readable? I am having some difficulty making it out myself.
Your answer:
8,53
